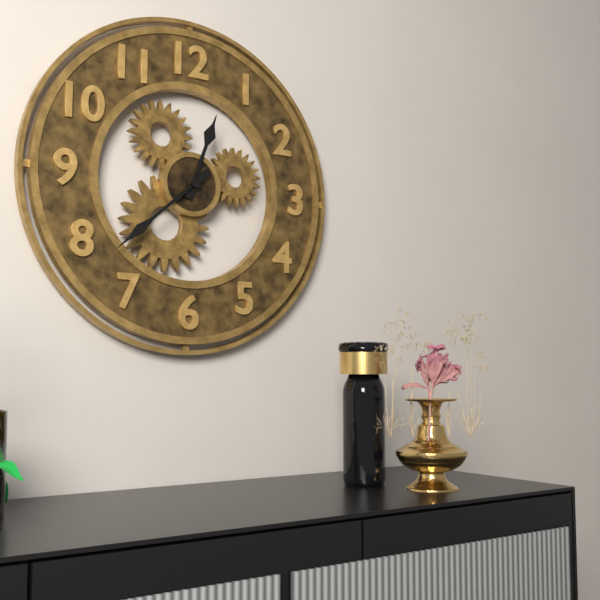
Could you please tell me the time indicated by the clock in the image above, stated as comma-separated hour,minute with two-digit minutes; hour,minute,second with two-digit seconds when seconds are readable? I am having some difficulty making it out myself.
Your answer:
12,38
